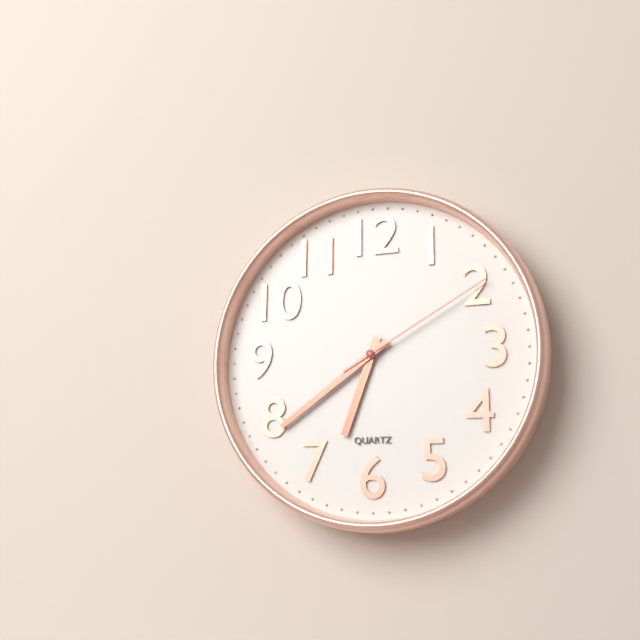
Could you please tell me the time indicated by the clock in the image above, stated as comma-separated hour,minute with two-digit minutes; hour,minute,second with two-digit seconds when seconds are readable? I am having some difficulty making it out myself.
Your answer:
6,39,10
